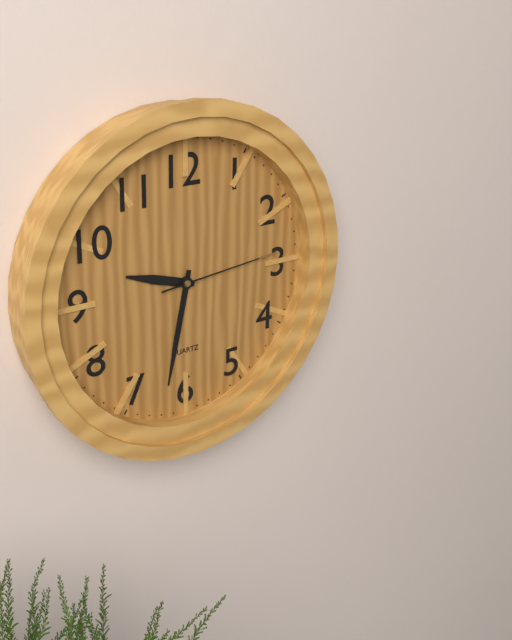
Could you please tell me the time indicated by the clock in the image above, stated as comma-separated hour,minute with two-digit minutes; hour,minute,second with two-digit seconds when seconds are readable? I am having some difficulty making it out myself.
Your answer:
9,32,14
